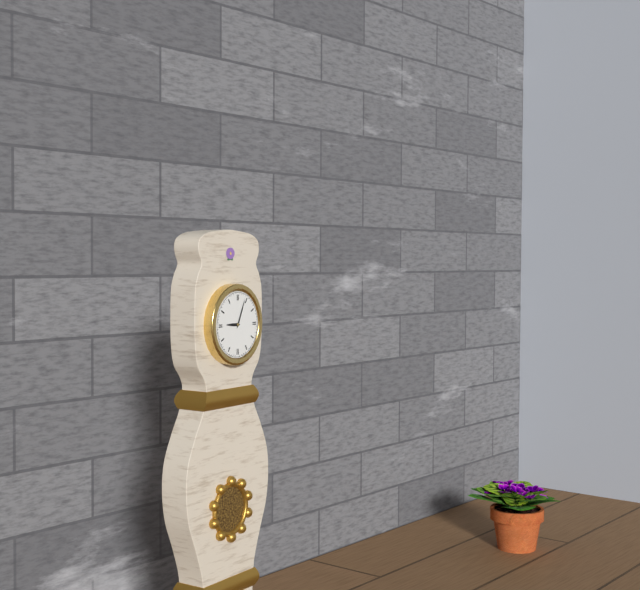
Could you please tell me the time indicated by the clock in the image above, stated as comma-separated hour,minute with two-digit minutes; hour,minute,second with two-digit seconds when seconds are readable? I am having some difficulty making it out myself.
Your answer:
9,04
